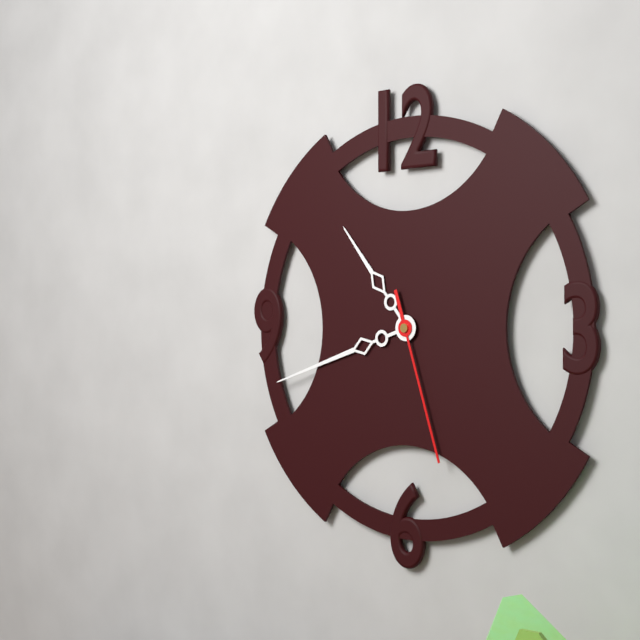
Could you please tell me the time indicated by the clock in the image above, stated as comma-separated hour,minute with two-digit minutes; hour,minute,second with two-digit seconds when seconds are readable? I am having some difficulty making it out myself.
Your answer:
10,42,27
